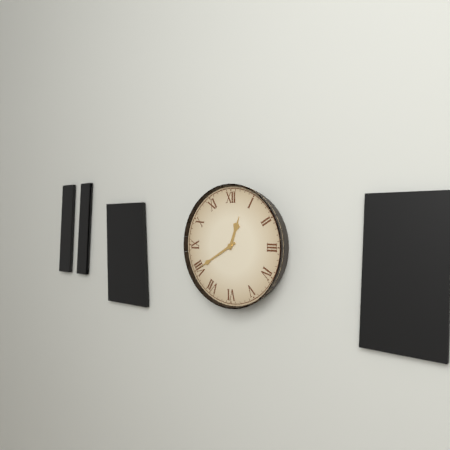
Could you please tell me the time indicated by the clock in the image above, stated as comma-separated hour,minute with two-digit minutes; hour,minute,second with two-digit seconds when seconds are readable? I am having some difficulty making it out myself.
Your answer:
12,40
